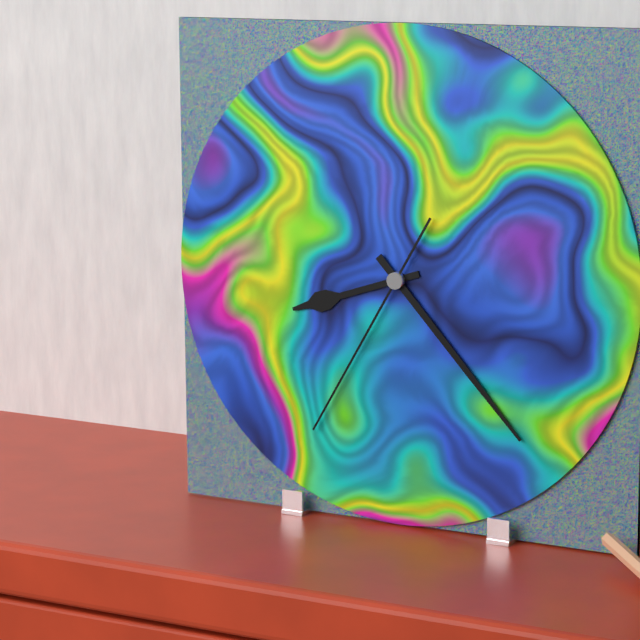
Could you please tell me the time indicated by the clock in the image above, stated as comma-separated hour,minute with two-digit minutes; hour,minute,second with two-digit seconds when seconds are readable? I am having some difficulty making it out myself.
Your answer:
8,23,35
